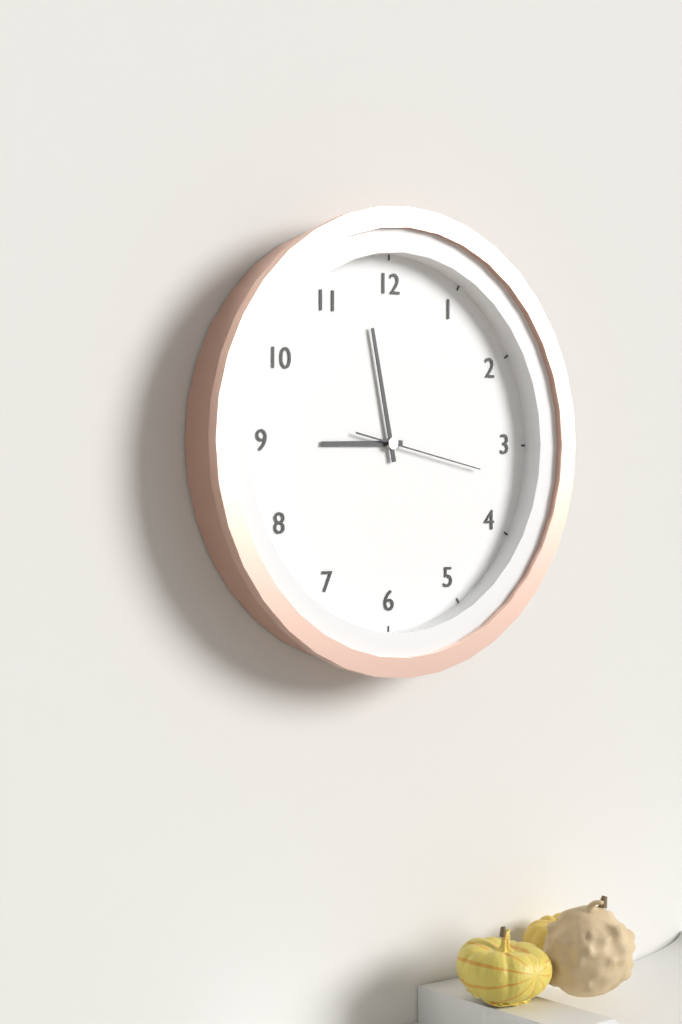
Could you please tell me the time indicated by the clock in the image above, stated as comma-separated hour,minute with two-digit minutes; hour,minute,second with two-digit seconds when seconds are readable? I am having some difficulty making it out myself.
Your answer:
8,58,17
